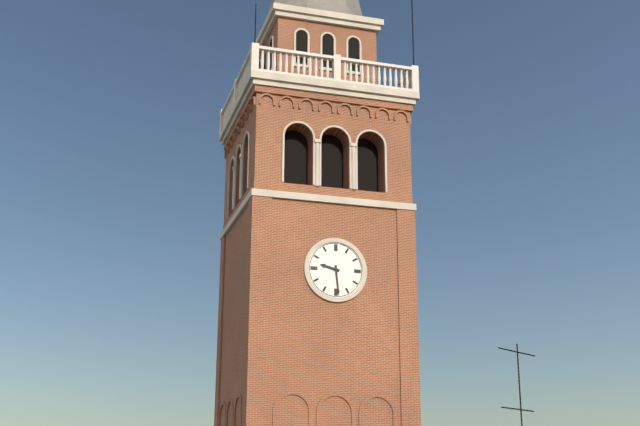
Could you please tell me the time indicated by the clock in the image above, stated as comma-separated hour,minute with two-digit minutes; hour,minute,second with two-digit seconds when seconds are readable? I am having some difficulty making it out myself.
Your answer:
9,29
